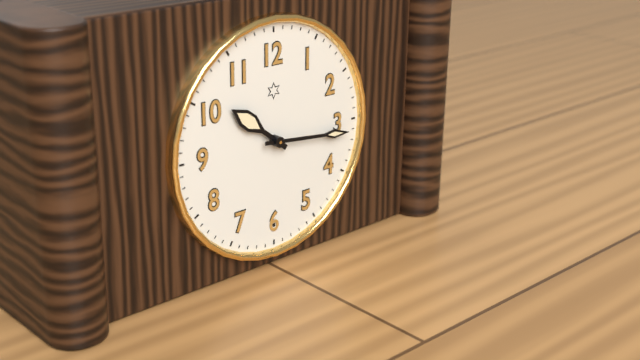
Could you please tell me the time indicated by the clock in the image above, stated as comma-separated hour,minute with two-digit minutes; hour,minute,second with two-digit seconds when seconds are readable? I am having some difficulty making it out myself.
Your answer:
10,16
